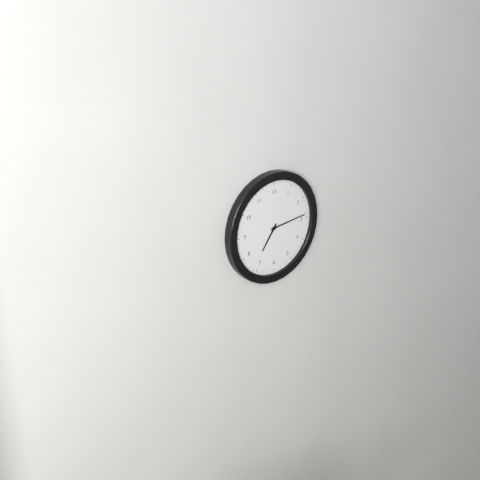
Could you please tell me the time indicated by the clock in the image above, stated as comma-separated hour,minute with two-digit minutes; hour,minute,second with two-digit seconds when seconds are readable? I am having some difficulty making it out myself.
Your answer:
7,14
